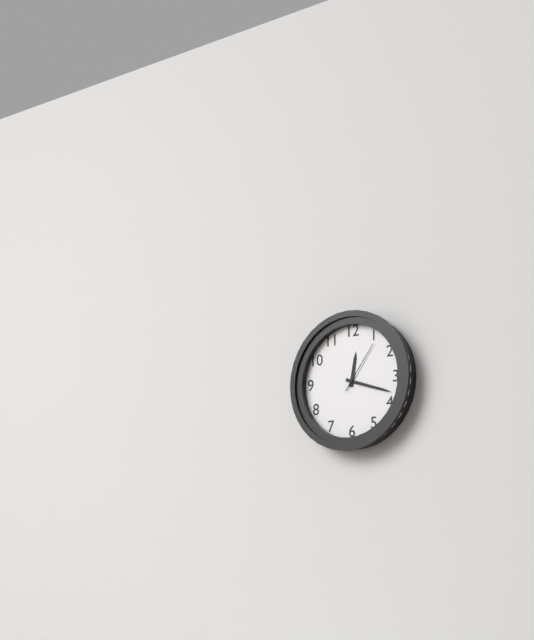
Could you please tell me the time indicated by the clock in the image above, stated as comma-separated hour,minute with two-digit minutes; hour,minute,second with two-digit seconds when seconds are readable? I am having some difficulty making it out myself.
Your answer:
12,18,06
